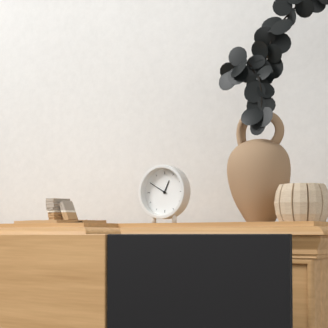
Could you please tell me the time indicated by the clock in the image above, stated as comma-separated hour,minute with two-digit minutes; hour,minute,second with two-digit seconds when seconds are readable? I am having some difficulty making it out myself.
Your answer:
12,50
